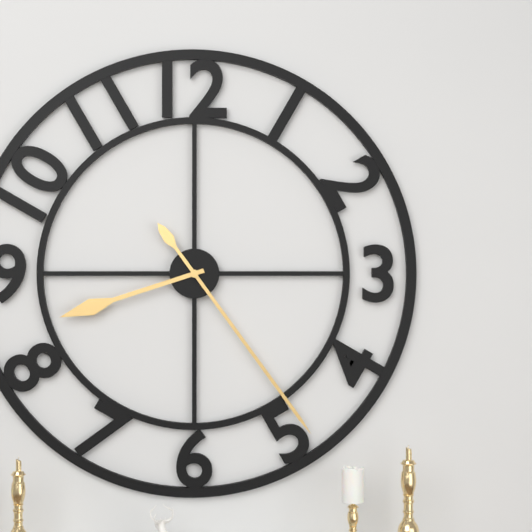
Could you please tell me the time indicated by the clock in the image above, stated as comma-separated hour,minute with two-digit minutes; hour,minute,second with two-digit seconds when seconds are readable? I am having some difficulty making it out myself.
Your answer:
8,24
